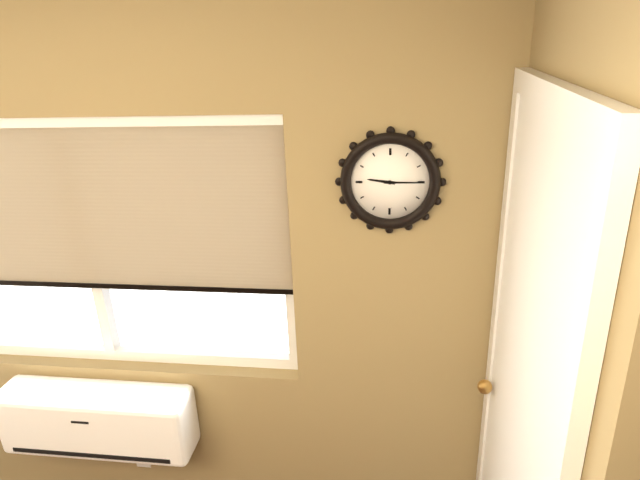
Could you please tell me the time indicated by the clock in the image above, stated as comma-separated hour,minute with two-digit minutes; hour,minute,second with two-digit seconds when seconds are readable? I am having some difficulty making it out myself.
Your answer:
9,15
